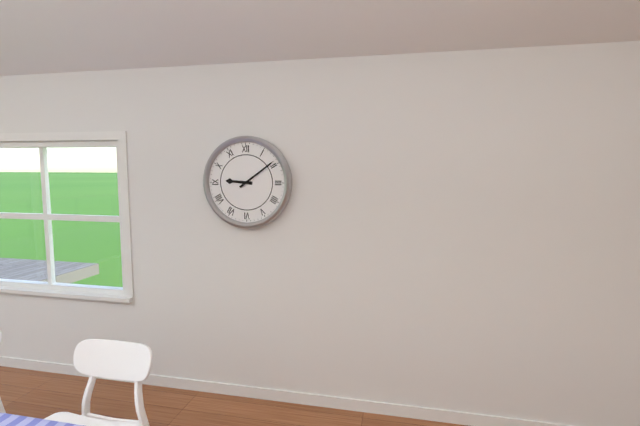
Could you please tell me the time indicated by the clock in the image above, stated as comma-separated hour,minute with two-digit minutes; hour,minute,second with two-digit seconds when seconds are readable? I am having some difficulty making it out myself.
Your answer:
9,09
